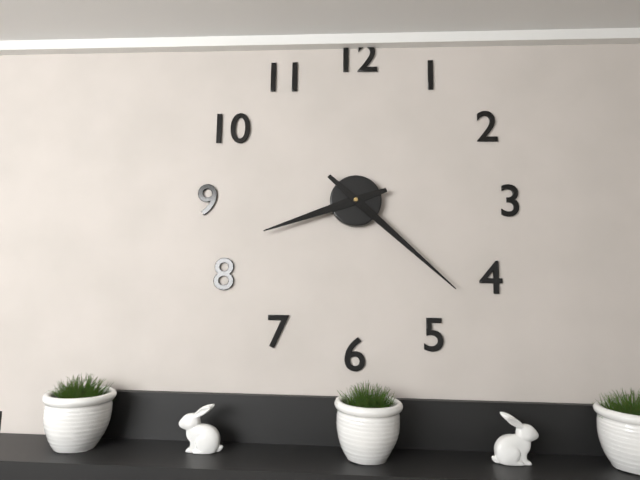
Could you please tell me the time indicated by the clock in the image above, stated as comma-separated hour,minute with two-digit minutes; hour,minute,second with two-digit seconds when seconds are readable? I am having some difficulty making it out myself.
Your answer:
8,22
